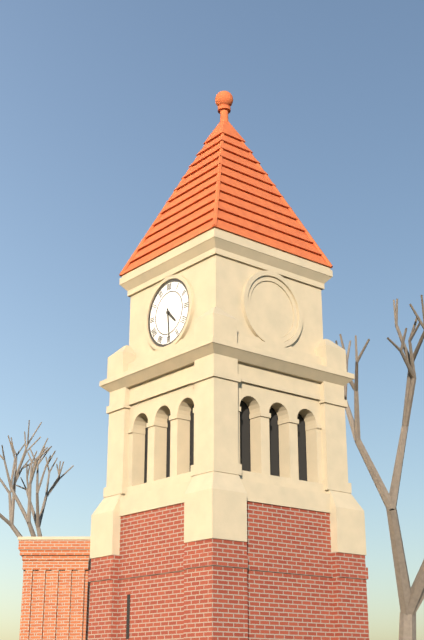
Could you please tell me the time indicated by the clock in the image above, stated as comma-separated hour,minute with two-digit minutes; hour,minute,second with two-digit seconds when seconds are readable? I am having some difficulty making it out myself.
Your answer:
4,29
